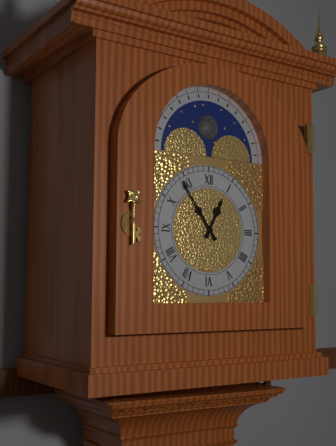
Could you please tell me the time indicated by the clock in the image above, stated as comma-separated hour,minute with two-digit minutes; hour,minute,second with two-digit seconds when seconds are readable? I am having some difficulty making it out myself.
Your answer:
12,54
